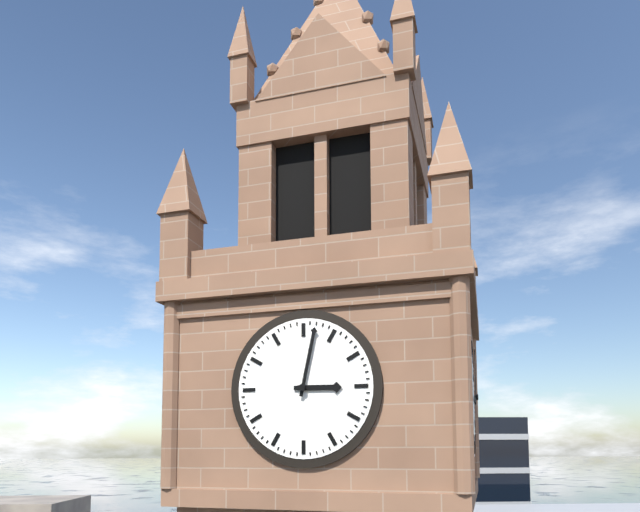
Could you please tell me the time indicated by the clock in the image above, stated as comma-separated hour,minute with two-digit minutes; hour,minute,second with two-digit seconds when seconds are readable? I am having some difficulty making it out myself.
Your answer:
3,02
